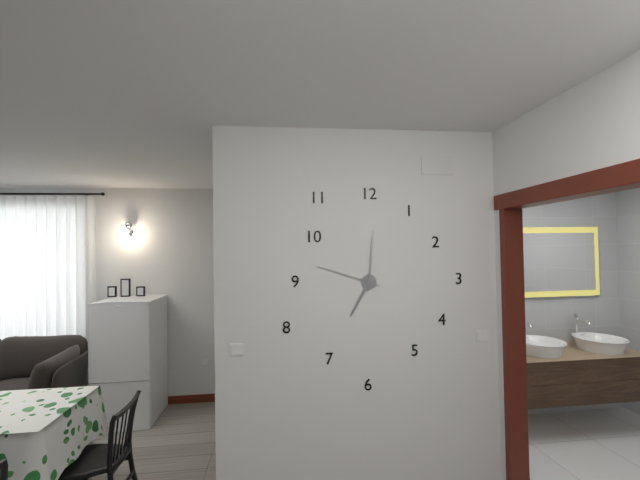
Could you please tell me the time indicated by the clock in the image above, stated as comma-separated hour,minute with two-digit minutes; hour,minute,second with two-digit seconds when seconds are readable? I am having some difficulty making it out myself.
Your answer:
7,01,48
